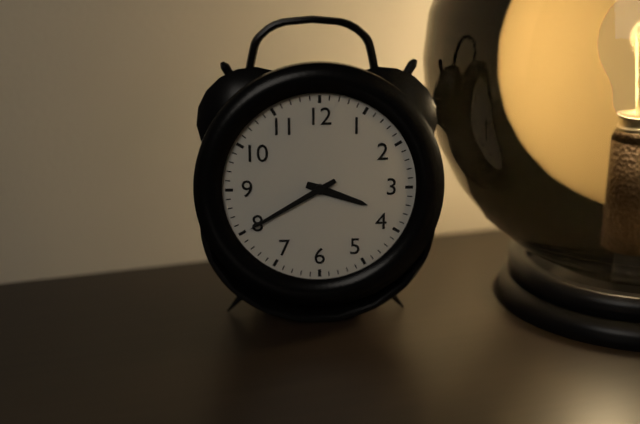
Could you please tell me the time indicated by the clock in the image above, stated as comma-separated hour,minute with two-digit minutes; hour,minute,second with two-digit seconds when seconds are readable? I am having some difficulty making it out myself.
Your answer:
3,40
